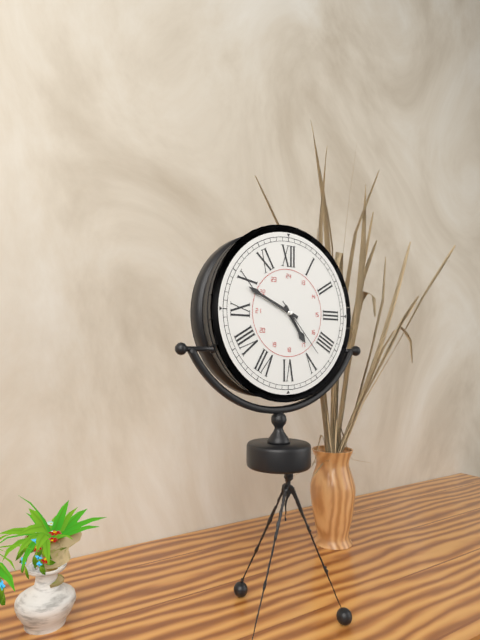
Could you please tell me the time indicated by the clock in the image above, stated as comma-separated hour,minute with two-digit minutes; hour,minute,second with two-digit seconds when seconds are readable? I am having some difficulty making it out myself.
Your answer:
4,49,23
